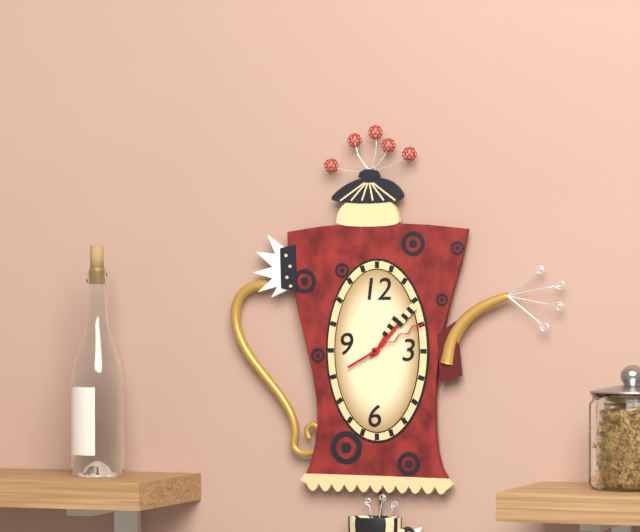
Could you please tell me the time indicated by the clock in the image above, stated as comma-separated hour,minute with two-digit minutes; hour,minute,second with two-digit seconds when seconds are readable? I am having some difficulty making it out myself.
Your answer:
1,07,10
